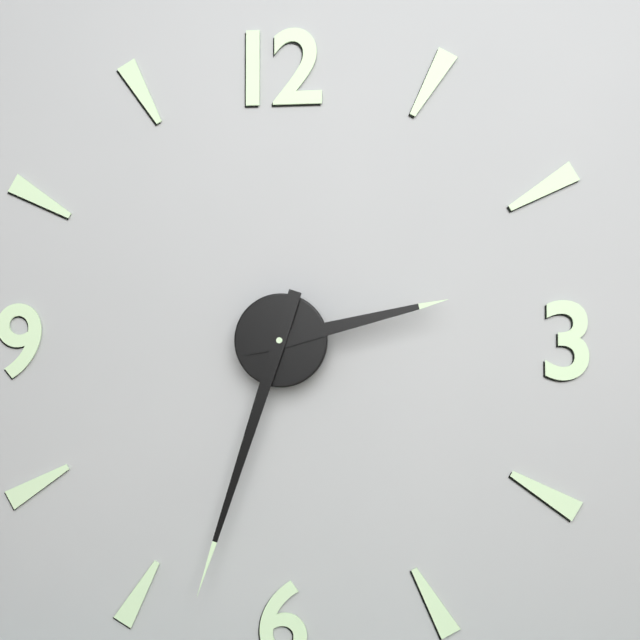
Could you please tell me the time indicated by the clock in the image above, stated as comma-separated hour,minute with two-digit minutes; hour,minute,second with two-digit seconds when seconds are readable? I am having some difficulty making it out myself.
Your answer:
2,33
